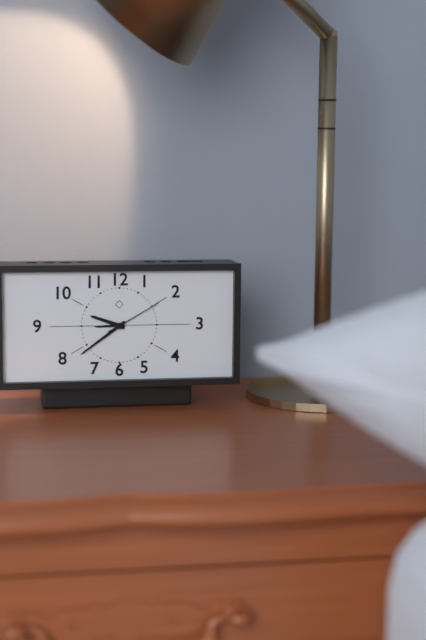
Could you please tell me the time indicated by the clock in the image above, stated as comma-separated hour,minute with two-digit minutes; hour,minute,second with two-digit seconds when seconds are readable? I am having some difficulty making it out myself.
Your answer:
9,39,10
